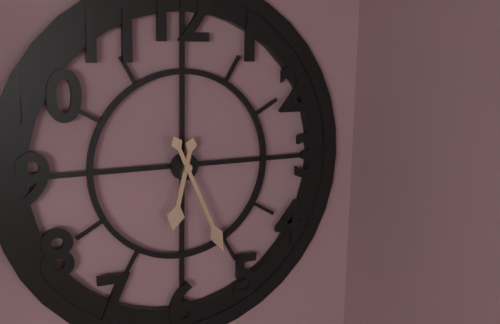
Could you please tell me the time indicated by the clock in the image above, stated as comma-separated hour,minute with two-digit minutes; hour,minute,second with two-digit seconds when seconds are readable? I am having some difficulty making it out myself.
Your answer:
6,26
